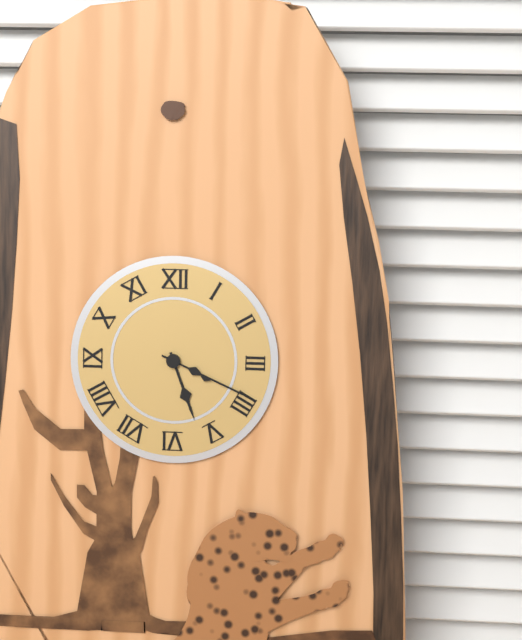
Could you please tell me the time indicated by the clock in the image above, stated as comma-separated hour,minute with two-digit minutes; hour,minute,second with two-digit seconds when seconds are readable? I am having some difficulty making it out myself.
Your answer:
5,19
